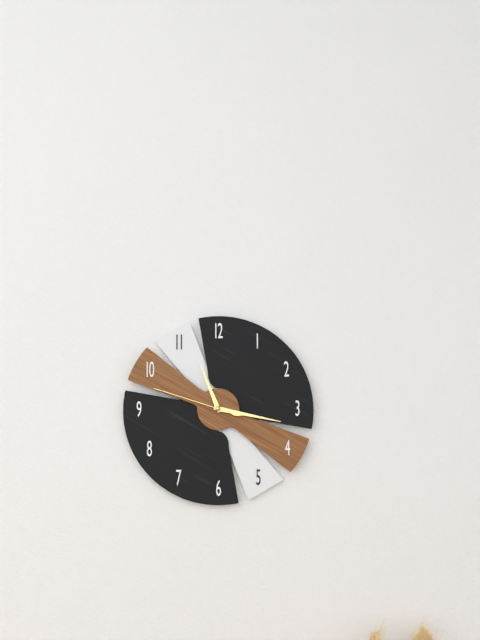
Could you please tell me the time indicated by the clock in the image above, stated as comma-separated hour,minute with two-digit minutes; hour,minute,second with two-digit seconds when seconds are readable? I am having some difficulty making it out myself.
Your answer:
11,17,48
